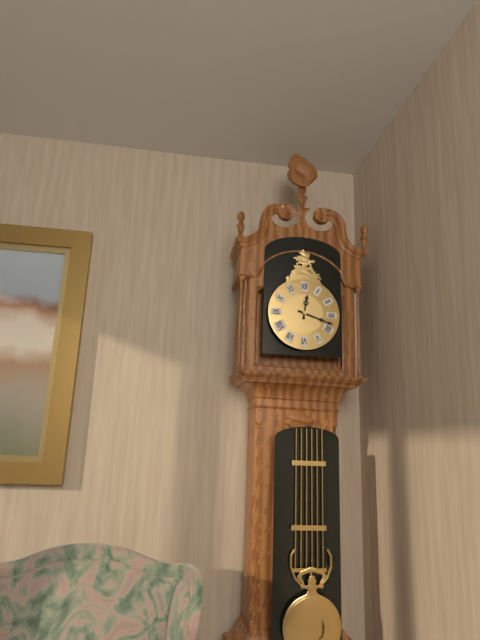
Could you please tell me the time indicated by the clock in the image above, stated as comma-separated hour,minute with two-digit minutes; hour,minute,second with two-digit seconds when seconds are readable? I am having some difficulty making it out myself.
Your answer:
12,18
